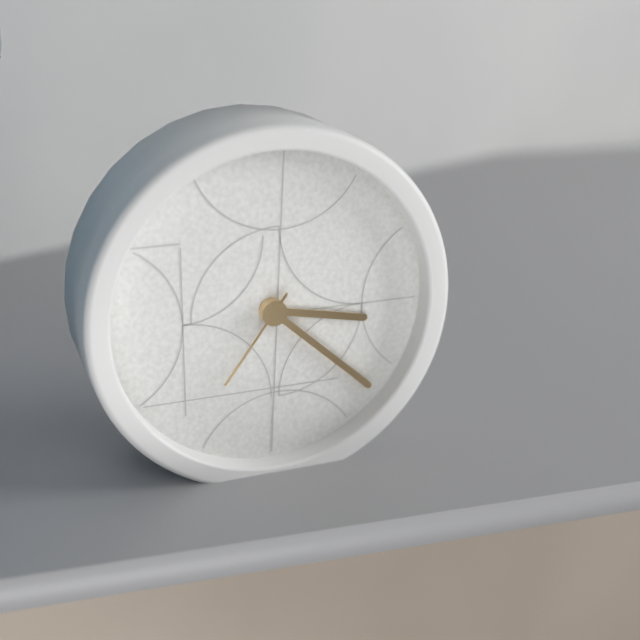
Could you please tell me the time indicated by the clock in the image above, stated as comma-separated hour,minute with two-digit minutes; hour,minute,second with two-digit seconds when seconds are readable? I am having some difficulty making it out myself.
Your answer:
3,22,36
